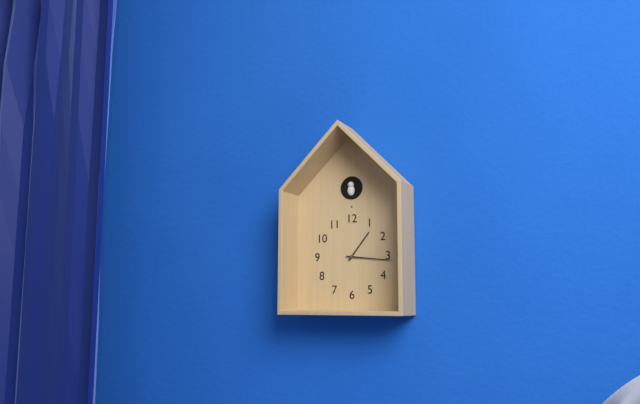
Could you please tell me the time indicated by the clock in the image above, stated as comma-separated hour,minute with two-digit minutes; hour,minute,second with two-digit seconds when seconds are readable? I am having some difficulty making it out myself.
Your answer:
1,16
